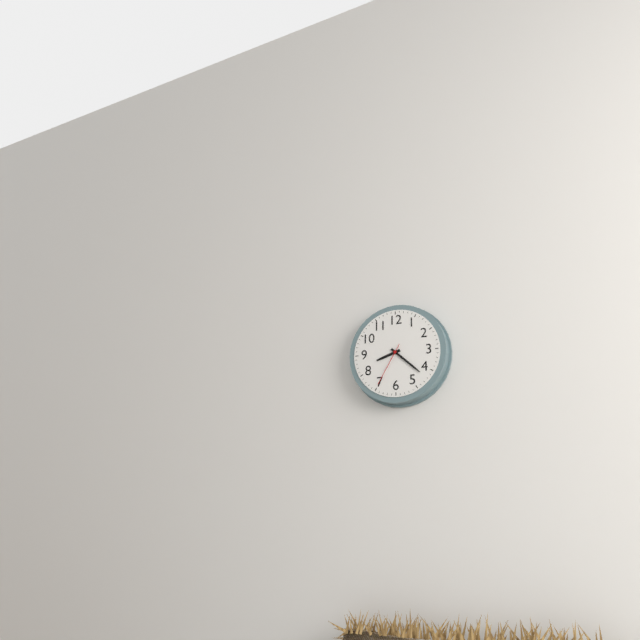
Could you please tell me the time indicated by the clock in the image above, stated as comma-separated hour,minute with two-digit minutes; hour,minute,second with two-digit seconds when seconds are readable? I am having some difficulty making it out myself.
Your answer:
8,22
